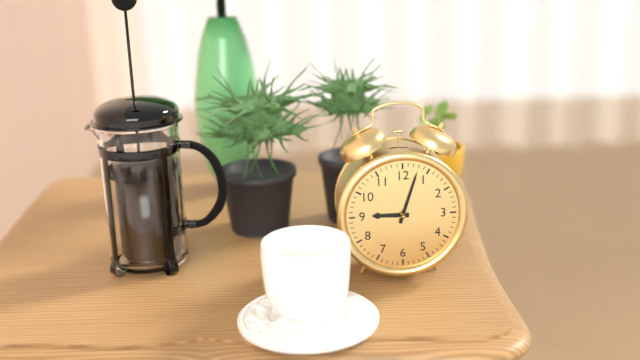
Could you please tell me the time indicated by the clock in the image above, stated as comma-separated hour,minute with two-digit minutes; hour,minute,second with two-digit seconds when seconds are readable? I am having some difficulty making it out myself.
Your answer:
9,03
